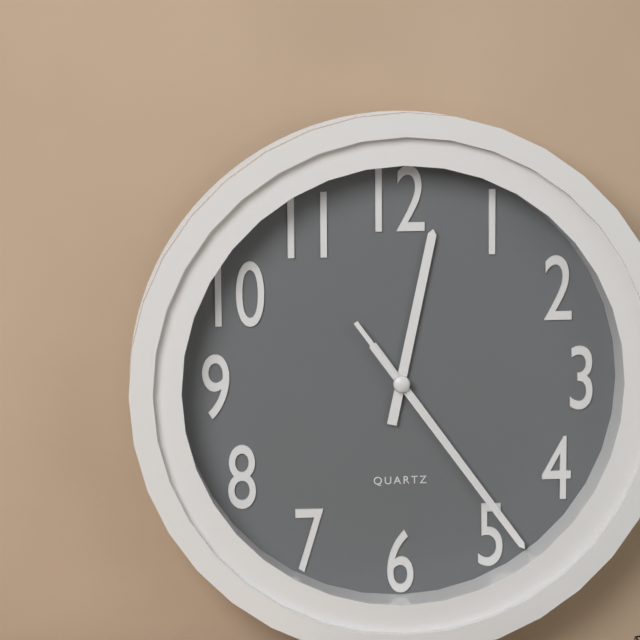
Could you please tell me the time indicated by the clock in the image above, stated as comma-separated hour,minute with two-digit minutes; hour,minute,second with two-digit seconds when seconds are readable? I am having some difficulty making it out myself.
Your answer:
12,24,24
